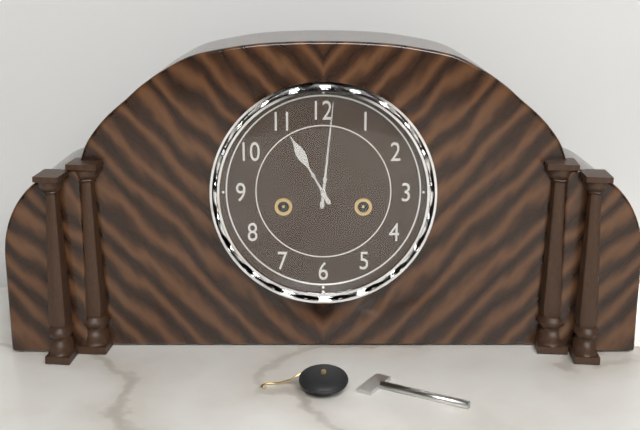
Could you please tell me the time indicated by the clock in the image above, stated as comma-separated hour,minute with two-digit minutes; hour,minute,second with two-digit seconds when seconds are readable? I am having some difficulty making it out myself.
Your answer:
11,01
